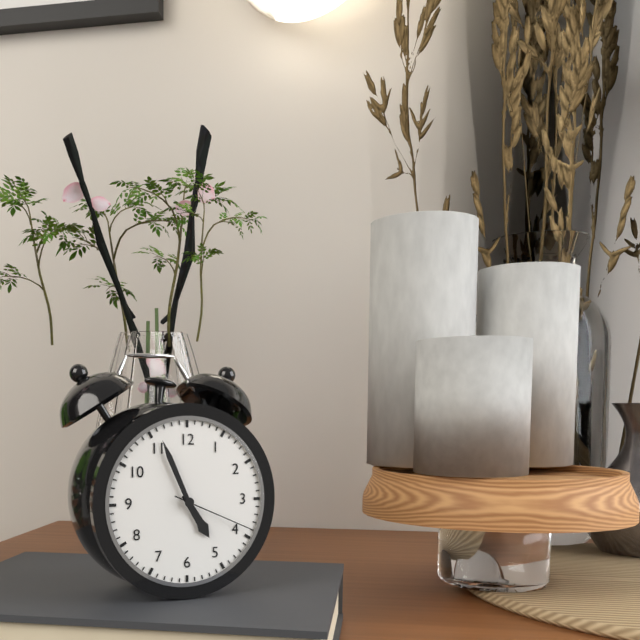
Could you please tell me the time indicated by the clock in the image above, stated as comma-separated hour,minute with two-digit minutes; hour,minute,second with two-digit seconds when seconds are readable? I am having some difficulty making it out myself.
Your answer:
4,56,19
